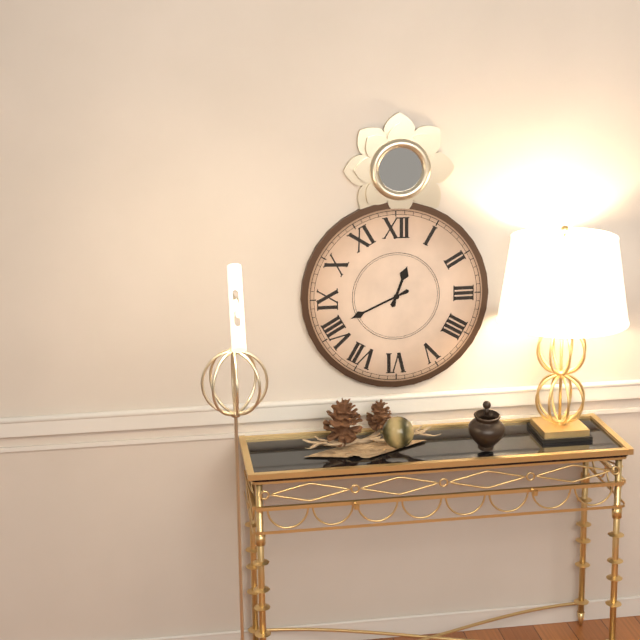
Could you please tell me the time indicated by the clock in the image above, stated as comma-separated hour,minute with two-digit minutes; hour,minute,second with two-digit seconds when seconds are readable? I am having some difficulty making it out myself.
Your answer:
12,41
